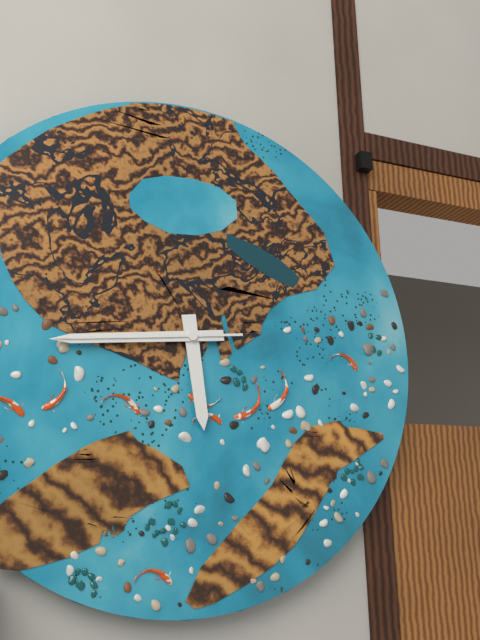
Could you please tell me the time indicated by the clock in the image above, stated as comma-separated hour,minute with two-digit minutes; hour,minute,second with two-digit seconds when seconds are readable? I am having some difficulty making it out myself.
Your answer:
5,44,44
